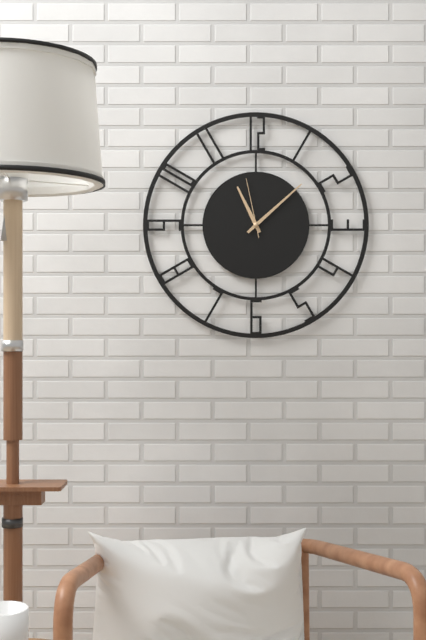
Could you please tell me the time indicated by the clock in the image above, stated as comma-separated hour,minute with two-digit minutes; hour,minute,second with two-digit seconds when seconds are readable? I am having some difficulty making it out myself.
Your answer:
11,08,58
